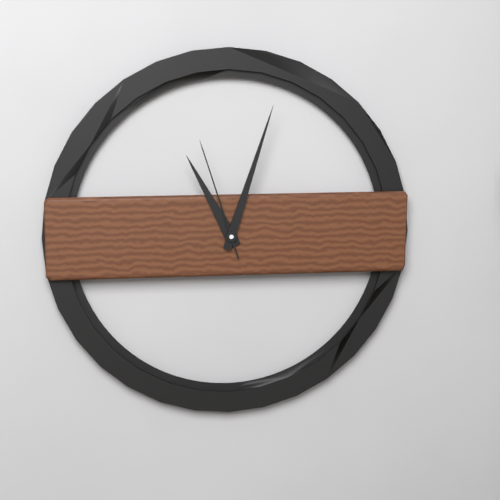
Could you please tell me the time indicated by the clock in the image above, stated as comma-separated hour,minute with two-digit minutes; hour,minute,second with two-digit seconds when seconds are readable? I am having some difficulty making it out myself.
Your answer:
11,03,57
